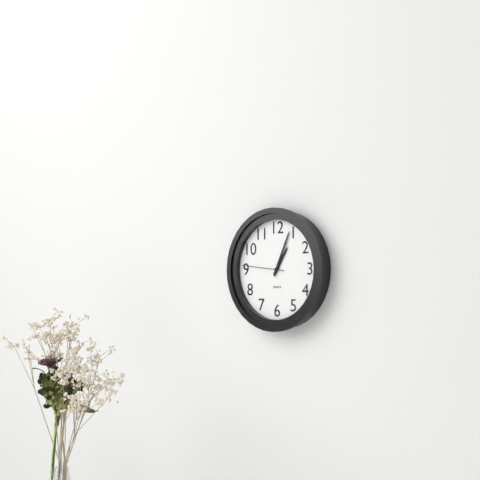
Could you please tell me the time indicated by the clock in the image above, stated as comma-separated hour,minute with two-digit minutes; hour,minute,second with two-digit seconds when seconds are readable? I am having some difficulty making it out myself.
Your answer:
1,04
